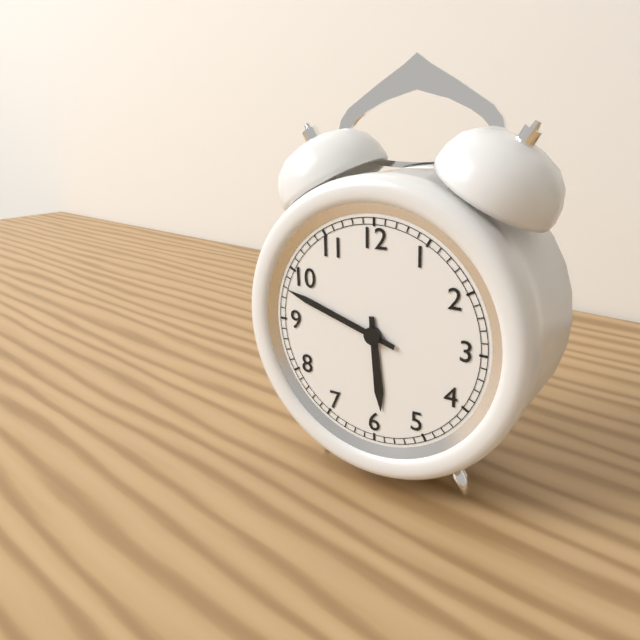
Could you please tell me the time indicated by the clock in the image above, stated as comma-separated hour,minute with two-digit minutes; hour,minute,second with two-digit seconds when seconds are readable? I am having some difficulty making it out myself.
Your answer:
5,48
